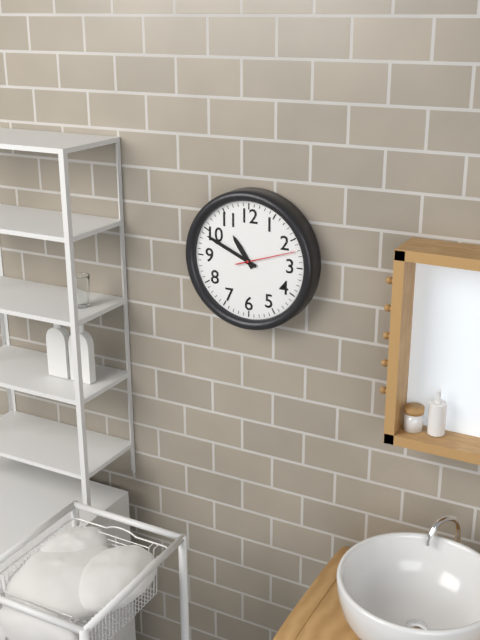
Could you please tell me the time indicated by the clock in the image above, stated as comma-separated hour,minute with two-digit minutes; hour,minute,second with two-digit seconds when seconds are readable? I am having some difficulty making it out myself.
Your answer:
10,49,12
